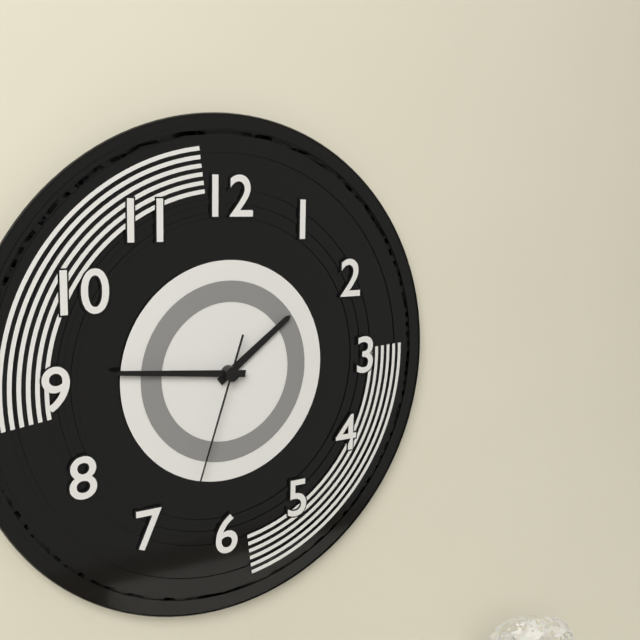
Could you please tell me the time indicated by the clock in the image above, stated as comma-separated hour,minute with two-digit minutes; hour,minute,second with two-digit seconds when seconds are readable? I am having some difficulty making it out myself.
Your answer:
1,46,33
